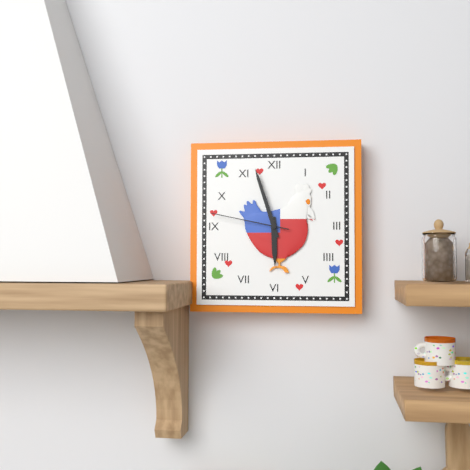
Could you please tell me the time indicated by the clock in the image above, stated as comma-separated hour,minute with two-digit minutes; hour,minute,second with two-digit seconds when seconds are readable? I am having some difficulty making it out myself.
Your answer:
5,57,47
